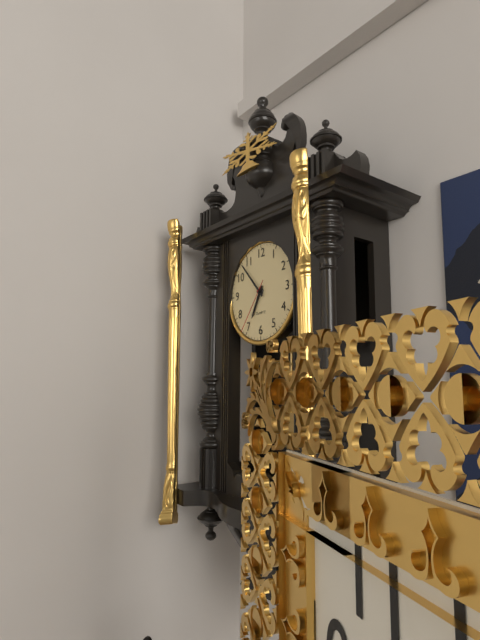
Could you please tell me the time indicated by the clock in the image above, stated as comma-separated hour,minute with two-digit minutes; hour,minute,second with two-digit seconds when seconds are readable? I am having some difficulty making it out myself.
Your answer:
6,53,36
